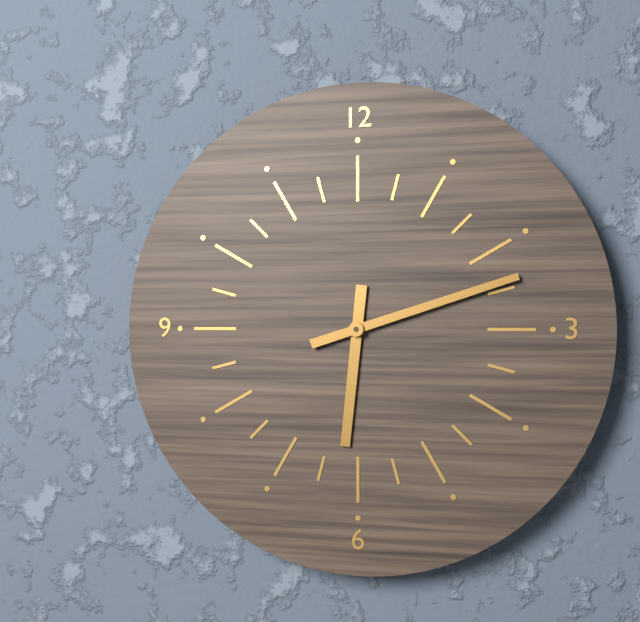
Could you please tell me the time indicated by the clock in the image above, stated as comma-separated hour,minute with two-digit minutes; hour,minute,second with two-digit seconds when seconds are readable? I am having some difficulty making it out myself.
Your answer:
6,12
